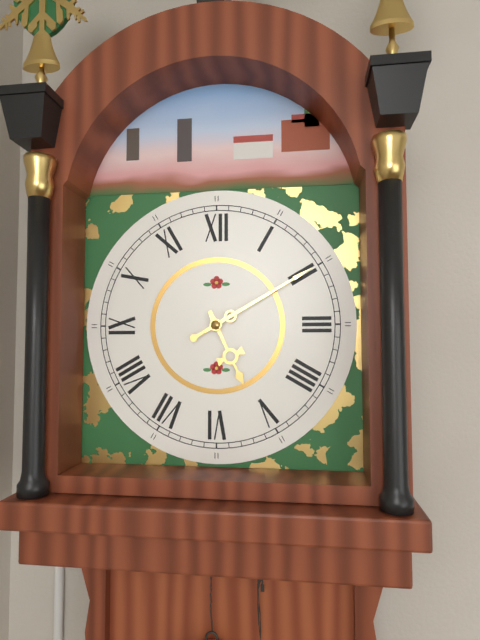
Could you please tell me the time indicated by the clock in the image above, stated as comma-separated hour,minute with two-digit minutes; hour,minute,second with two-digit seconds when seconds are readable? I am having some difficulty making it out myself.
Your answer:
5,10
